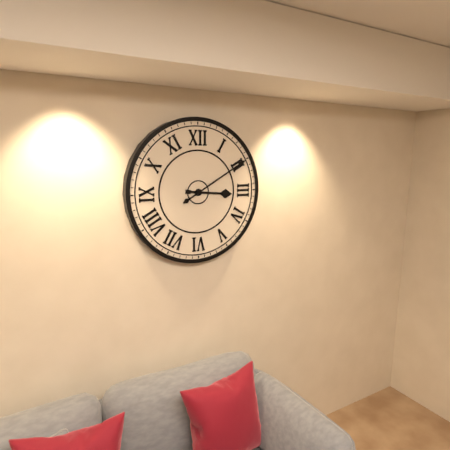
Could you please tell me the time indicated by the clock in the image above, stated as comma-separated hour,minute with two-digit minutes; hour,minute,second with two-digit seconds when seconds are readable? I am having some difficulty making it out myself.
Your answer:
3,10
